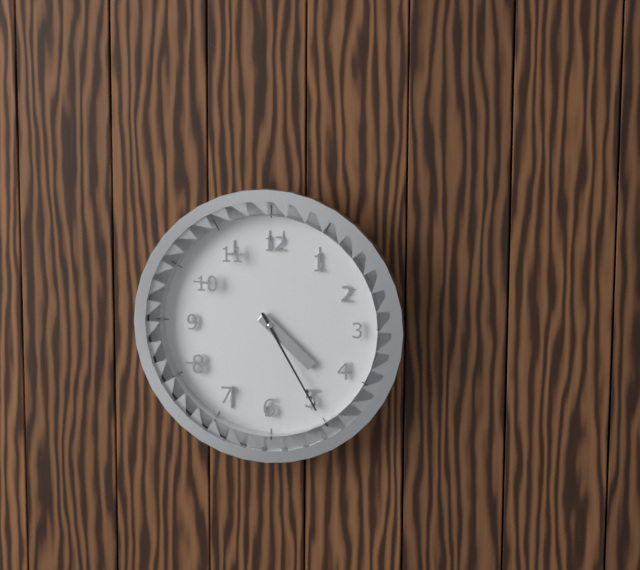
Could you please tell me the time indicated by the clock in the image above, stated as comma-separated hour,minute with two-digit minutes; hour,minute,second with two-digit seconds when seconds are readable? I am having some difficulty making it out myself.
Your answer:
4,25
